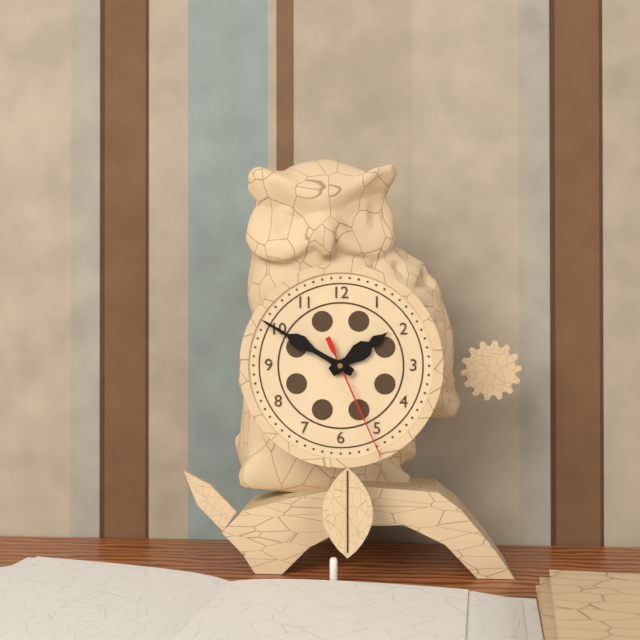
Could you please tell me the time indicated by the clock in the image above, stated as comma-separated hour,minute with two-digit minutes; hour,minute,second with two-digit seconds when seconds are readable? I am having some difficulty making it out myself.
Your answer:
1,50,26
